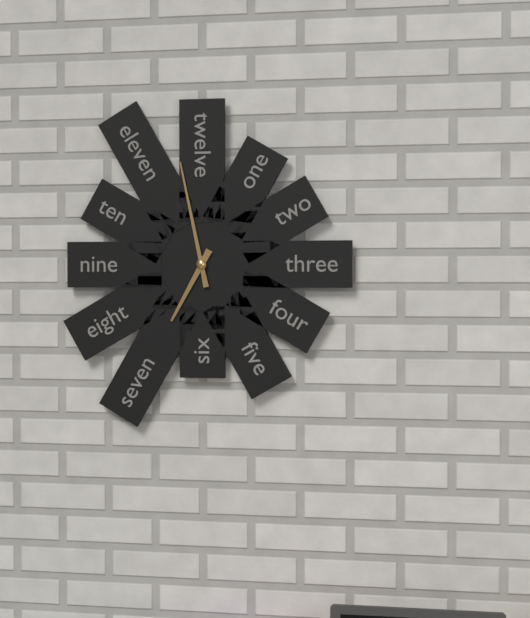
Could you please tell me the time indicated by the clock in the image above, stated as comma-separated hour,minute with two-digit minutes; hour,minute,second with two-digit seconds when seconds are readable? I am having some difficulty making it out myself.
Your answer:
6,58
